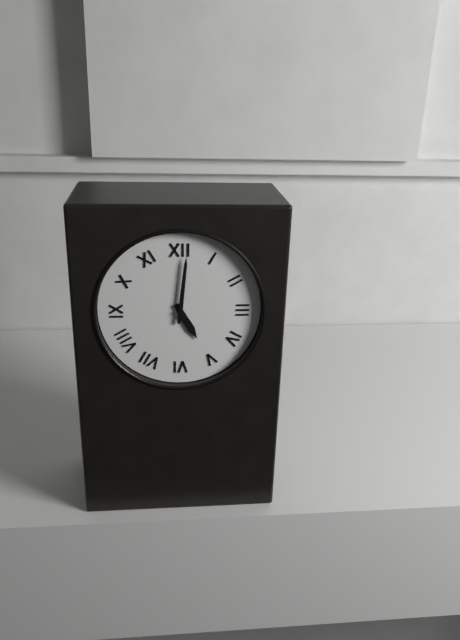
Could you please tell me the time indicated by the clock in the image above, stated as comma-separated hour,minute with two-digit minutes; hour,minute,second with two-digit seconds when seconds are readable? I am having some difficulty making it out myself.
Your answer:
5,01
